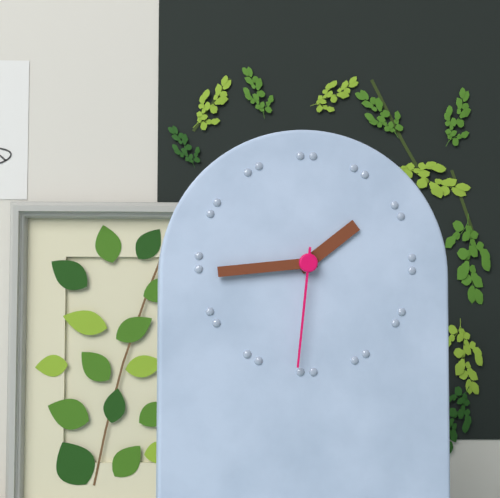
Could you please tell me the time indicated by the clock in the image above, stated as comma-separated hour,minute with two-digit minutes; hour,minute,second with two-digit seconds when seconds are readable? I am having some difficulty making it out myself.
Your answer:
1,44,31
